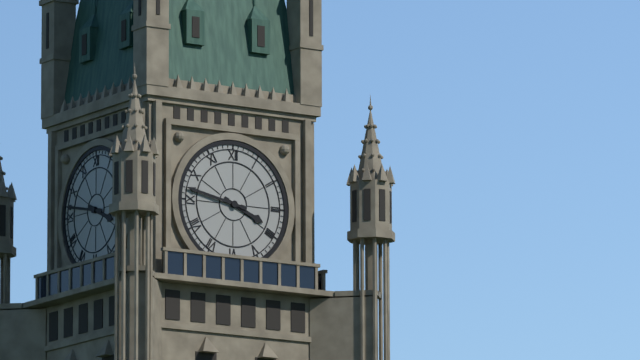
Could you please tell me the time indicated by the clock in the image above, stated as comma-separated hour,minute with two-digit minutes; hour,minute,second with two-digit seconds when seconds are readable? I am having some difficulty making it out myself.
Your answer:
3,47
